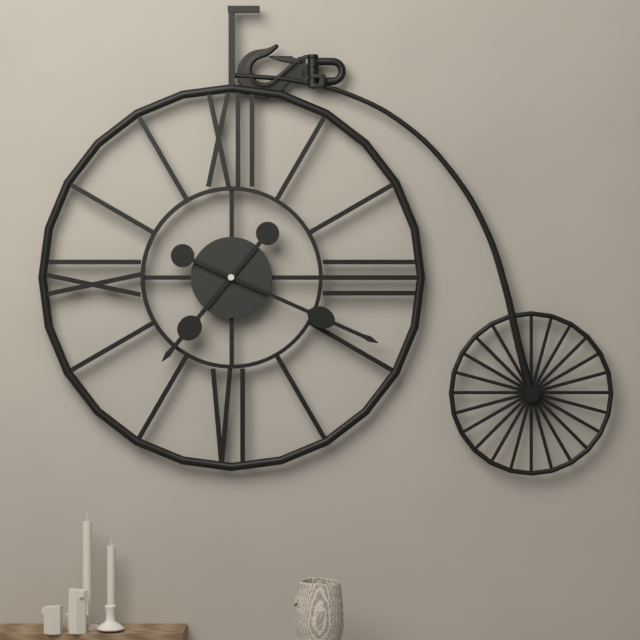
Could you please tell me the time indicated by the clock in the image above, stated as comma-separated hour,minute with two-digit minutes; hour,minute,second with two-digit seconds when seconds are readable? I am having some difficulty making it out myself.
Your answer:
7,19
